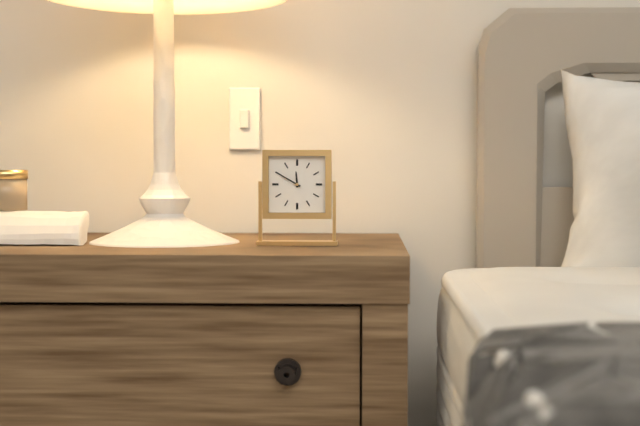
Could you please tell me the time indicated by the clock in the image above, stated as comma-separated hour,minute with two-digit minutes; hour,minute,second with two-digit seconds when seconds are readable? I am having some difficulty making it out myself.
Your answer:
11,50
